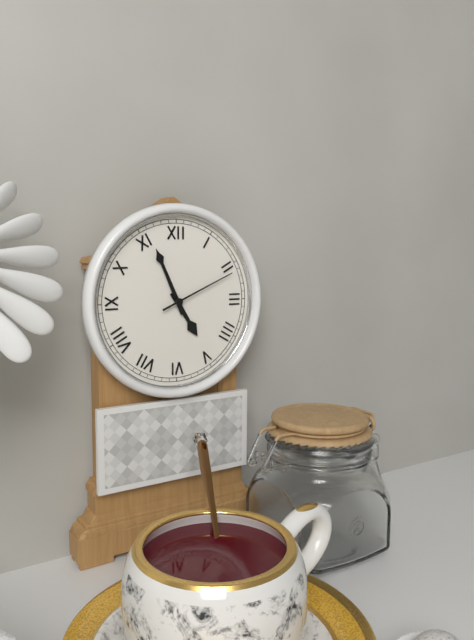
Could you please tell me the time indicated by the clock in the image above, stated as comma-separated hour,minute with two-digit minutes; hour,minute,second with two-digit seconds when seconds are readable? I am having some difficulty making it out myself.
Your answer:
4,56,11
